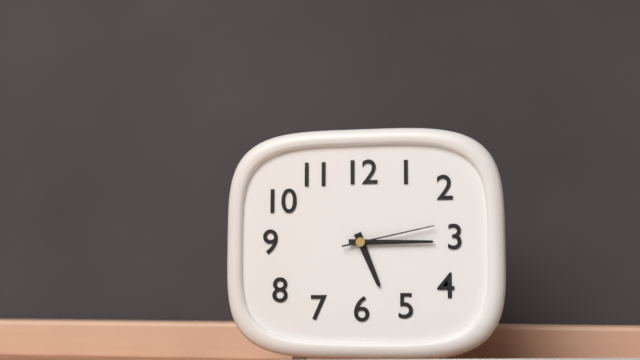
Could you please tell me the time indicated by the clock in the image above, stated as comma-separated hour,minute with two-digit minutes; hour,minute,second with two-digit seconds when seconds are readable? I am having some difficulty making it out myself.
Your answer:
5,15,13
